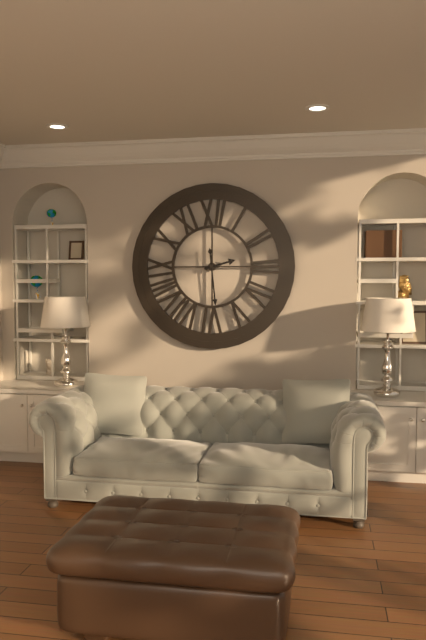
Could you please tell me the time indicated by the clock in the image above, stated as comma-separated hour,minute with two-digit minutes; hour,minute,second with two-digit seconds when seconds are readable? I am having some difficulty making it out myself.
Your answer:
2,29
